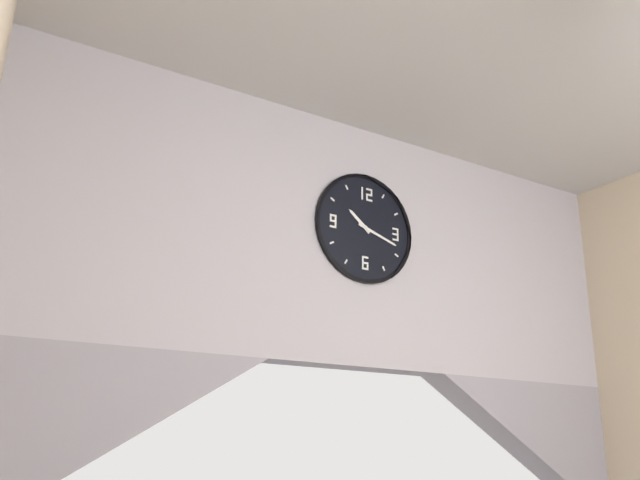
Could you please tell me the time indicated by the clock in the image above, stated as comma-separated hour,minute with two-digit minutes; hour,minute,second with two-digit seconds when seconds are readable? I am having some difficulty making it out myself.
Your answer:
10,18
